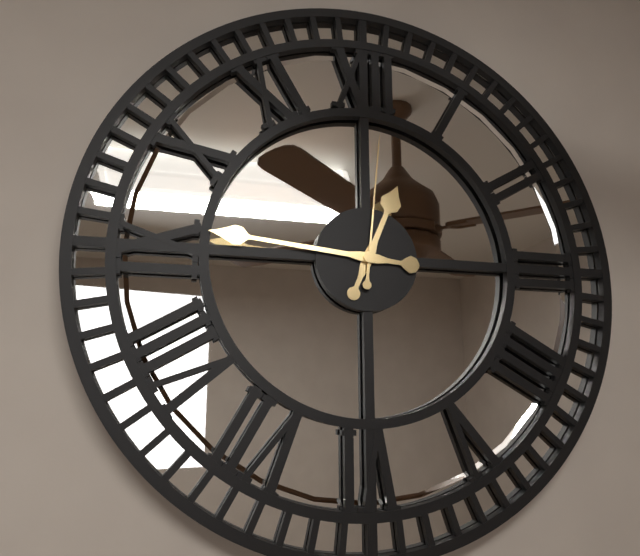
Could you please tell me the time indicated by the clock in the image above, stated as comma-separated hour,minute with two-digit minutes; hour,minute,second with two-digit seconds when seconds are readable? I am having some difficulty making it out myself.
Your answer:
12,46,01
